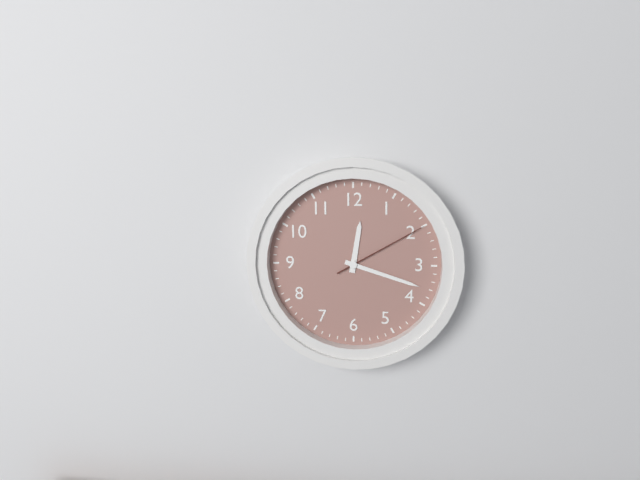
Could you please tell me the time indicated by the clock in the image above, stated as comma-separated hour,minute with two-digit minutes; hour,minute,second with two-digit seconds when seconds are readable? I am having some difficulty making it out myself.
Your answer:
12,18,10
